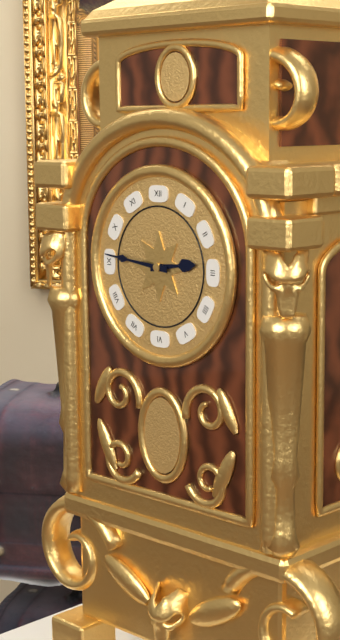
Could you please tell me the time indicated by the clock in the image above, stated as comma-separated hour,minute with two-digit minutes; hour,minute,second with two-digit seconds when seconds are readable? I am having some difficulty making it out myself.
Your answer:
2,46
